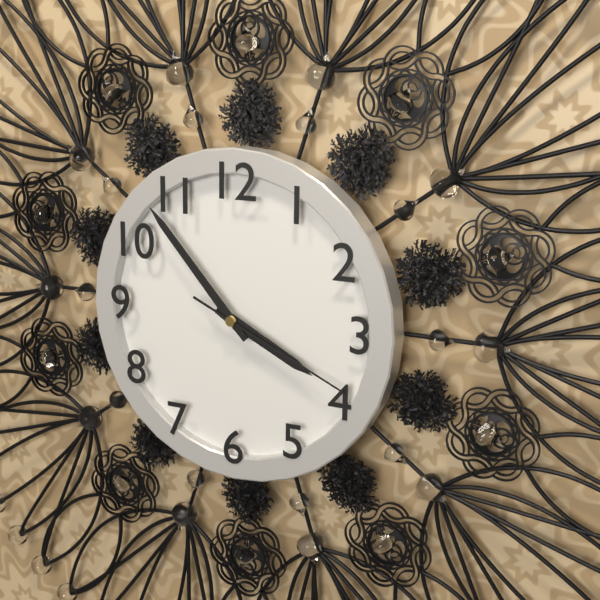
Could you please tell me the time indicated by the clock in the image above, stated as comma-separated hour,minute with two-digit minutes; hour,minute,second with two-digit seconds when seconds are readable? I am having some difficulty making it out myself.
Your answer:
3,53,19
